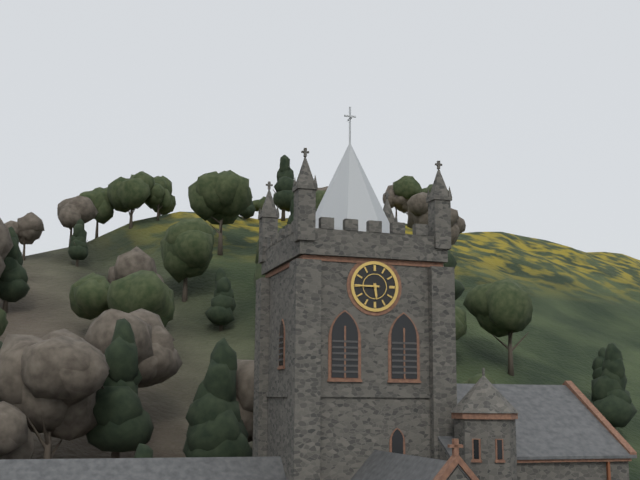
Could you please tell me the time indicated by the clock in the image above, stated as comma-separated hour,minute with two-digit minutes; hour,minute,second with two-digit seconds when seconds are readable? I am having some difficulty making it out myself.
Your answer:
5,45
